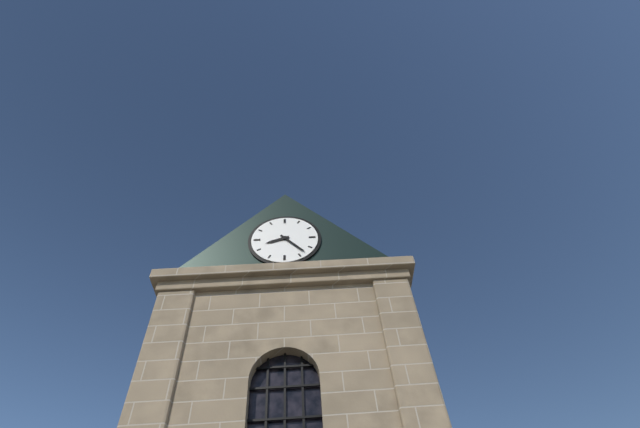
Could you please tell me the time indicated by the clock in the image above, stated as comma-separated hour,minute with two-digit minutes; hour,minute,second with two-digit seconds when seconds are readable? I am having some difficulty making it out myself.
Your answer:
8,23
